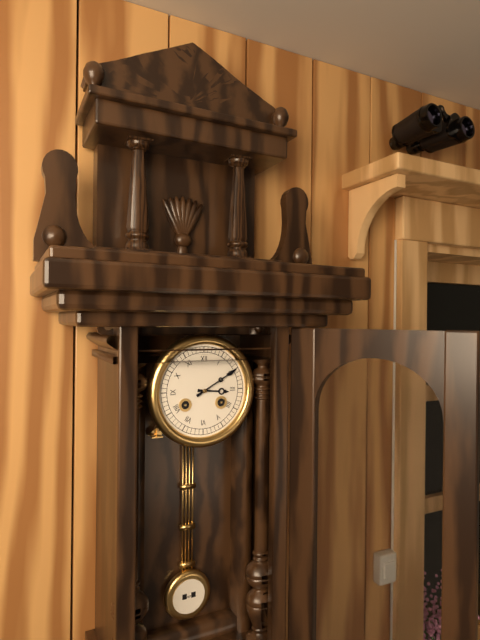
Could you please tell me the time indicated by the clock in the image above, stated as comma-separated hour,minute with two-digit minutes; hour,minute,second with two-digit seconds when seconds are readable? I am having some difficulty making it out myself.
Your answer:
3,10
